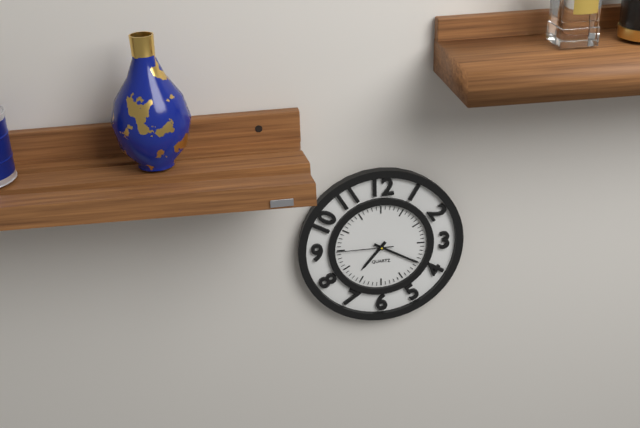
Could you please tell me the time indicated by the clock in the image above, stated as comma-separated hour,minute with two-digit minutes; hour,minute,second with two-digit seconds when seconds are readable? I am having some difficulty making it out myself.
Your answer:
7,20,45
